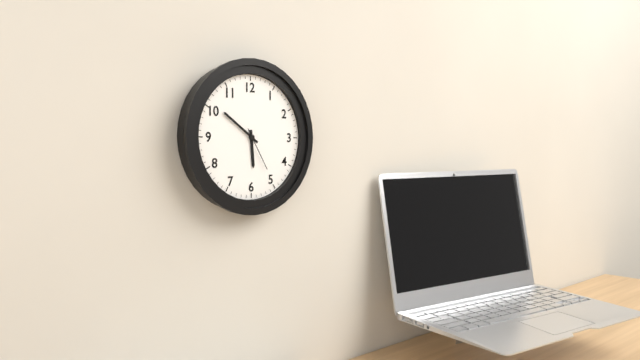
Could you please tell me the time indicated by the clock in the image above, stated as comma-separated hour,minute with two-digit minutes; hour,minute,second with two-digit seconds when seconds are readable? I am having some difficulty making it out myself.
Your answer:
5,51
